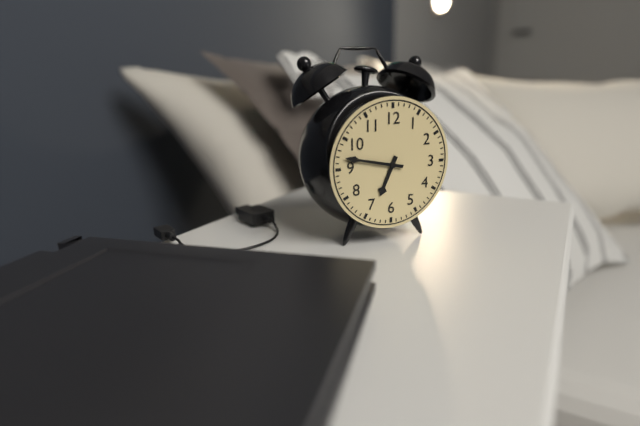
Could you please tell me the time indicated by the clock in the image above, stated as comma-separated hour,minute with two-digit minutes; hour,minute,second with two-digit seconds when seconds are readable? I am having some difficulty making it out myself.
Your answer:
6,47
